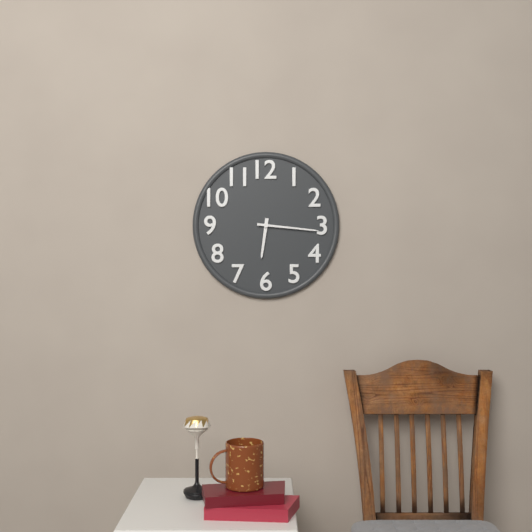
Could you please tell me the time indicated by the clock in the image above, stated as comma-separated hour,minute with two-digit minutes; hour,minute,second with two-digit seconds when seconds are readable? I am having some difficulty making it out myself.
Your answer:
6,16
